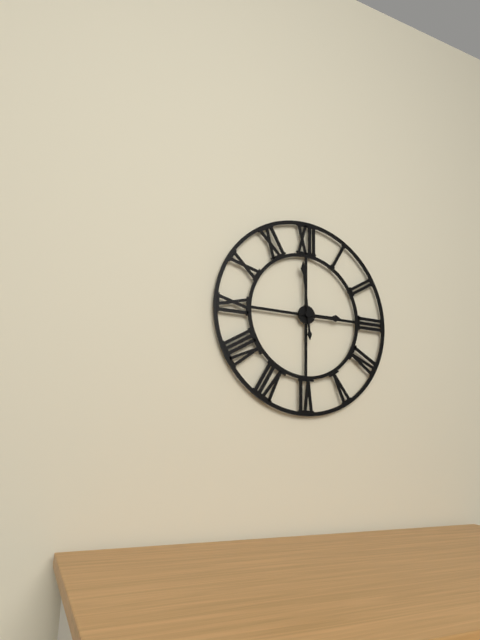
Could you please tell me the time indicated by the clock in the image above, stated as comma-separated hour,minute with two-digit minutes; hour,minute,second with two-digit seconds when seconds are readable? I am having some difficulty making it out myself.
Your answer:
2,59
